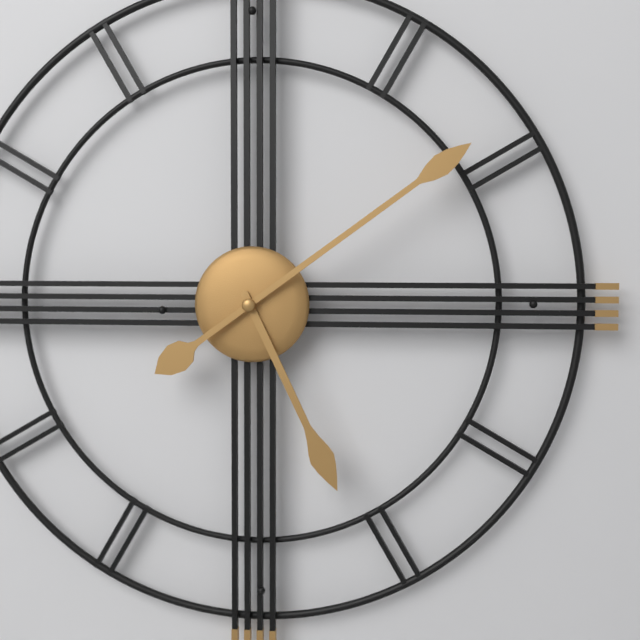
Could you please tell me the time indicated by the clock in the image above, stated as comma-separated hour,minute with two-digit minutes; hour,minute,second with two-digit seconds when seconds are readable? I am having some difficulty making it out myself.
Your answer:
5,09
